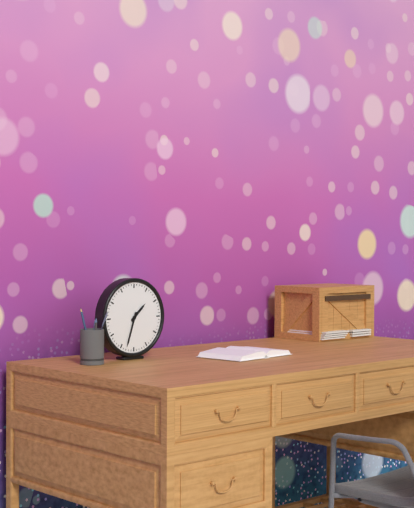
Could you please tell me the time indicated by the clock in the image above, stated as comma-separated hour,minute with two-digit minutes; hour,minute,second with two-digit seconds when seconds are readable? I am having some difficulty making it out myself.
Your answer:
1,33
